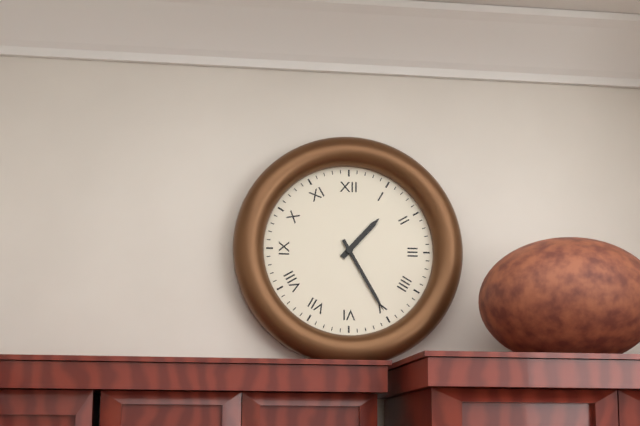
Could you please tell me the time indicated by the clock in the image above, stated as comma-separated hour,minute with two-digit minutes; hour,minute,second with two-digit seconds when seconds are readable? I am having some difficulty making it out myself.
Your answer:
1,25
